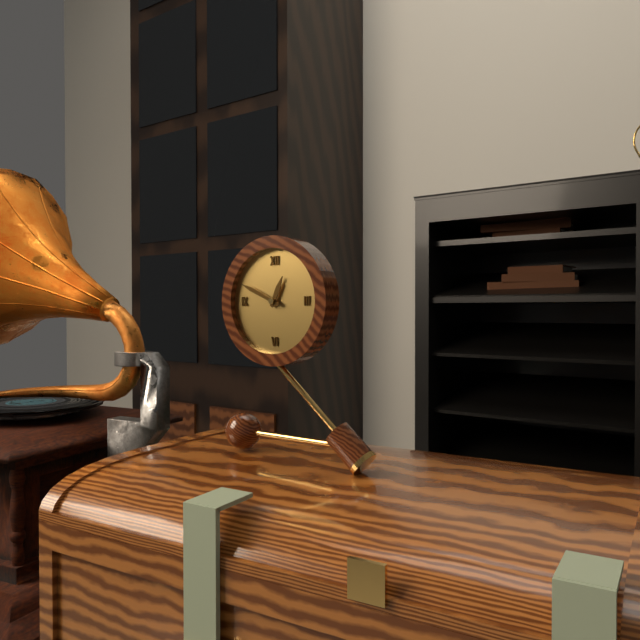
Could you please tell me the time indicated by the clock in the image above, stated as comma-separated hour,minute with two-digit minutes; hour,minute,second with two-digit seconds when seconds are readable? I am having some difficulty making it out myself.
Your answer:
12,49
